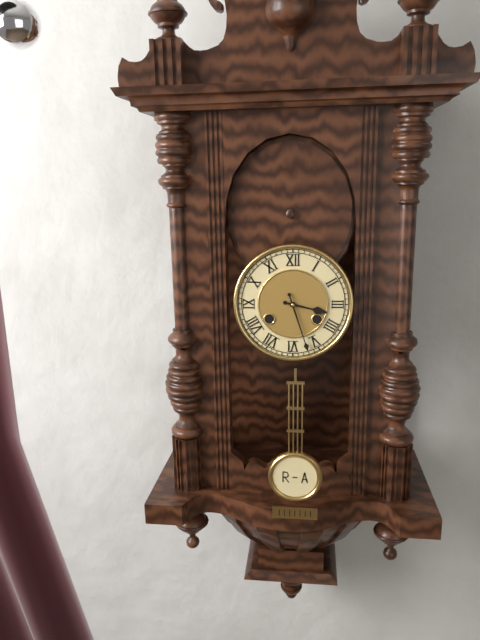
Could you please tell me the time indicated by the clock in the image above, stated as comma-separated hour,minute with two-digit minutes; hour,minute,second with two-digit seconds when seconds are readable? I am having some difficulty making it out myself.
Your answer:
3,27
